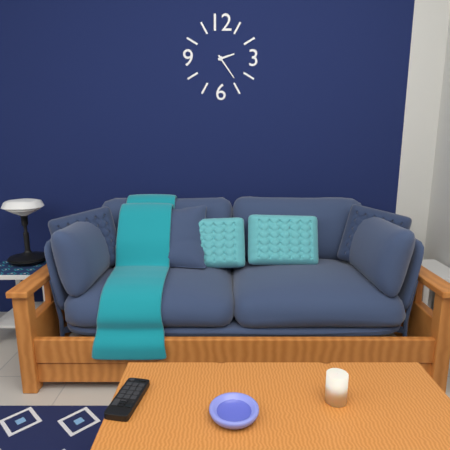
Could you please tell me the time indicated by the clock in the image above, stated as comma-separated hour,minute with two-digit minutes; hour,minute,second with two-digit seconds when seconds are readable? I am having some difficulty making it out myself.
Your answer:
2,24
